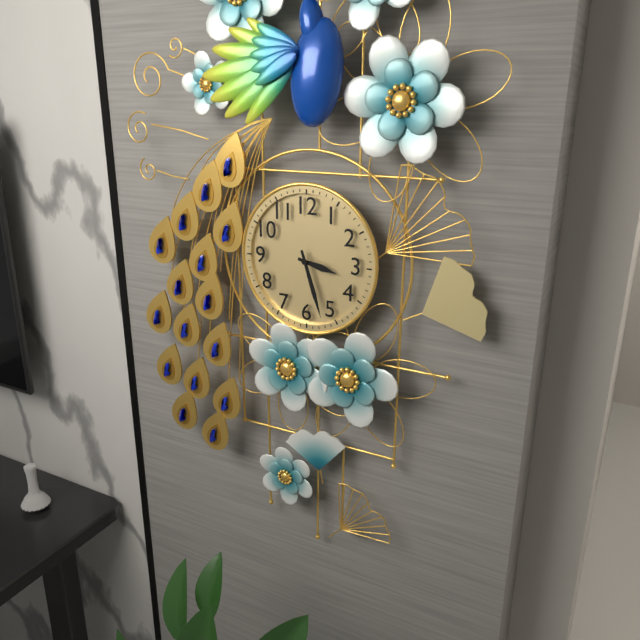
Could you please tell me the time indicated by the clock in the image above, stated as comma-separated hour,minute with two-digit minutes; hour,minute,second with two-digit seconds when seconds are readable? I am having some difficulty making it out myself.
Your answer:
3,27
